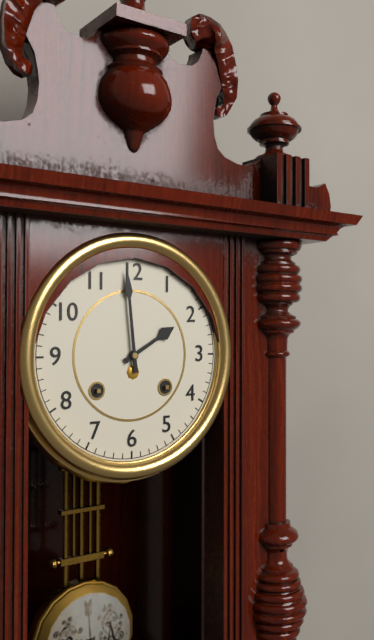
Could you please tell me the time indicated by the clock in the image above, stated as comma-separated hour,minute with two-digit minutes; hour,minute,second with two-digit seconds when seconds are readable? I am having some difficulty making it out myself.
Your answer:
1,59
